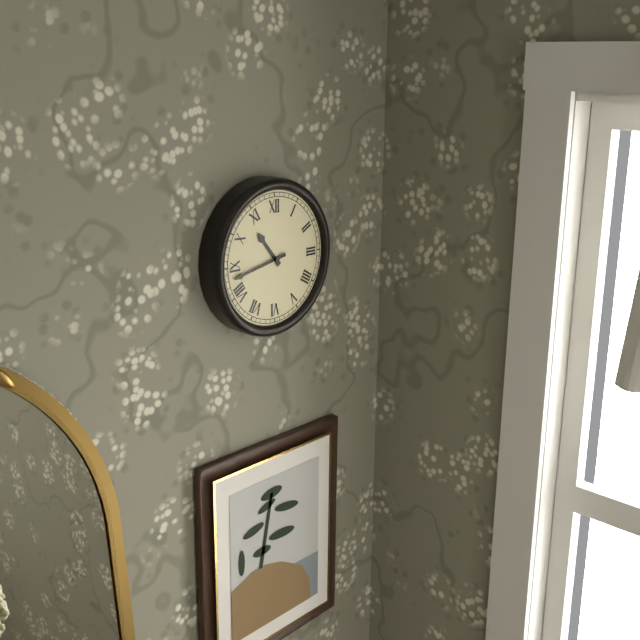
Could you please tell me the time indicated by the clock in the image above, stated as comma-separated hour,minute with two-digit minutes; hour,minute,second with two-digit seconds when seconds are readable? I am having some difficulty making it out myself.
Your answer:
10,43
